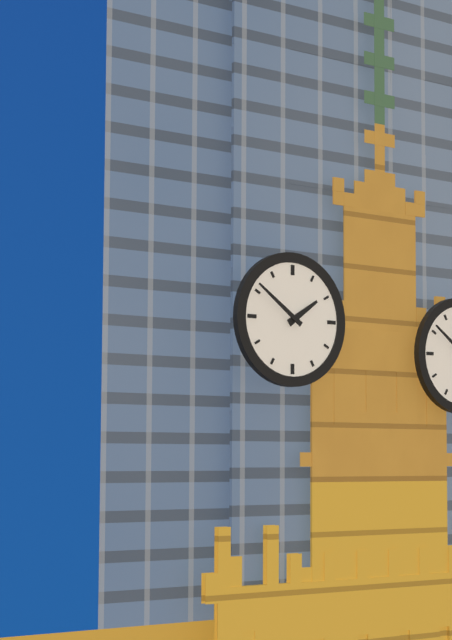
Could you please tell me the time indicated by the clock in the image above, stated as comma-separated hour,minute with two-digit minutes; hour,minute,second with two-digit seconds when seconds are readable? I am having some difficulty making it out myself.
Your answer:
1,51
